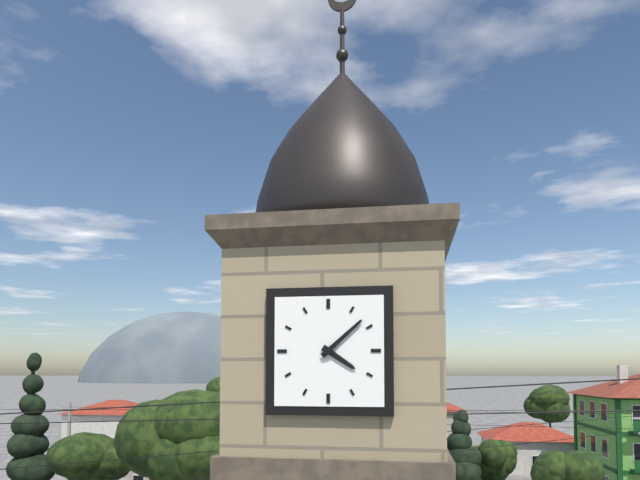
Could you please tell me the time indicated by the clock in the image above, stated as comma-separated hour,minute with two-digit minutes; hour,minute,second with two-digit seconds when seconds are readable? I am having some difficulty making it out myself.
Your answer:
4,08
